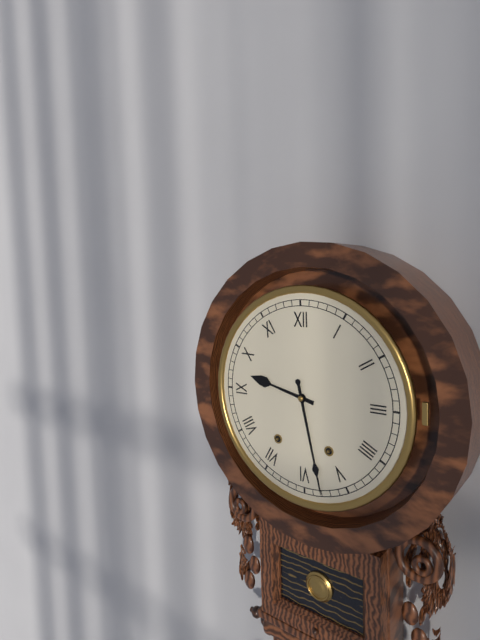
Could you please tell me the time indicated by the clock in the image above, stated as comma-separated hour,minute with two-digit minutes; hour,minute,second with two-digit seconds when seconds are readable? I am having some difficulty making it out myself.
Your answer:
9,28
